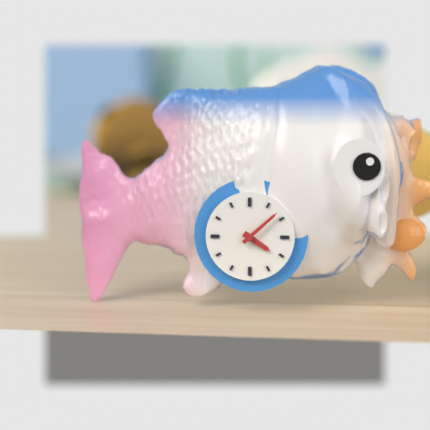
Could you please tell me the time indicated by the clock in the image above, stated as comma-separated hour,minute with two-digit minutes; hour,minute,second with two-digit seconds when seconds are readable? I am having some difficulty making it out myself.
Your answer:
4,08
